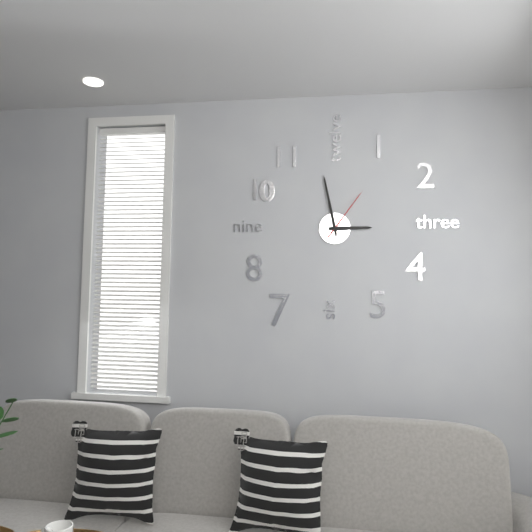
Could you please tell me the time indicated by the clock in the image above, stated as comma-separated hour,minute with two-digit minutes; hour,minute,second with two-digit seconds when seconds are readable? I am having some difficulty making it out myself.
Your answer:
2,58,06
